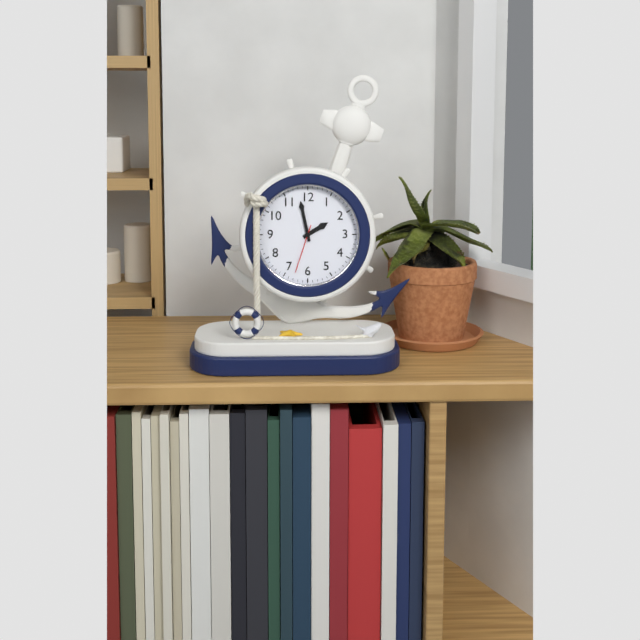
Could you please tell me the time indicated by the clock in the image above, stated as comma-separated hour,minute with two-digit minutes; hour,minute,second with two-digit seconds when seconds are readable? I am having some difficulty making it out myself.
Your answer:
1,58
